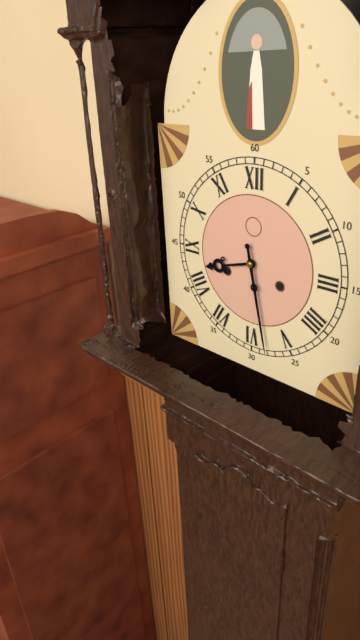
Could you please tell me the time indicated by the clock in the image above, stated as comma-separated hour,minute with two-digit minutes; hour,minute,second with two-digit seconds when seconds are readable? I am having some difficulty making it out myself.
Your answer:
8,28
